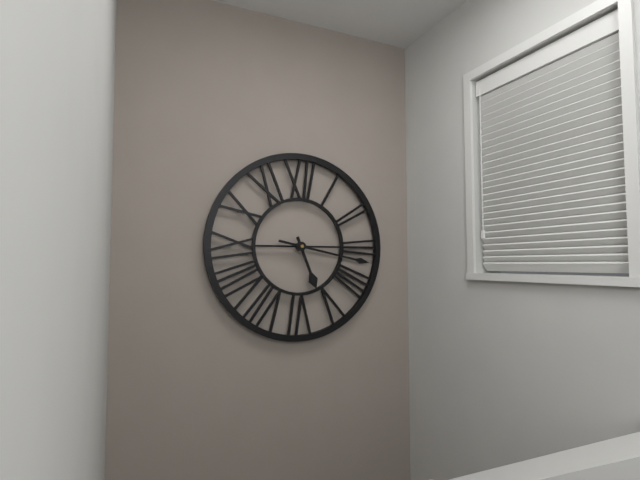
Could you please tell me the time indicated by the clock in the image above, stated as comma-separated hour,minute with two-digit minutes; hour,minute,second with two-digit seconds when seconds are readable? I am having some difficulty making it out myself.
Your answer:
5,17
